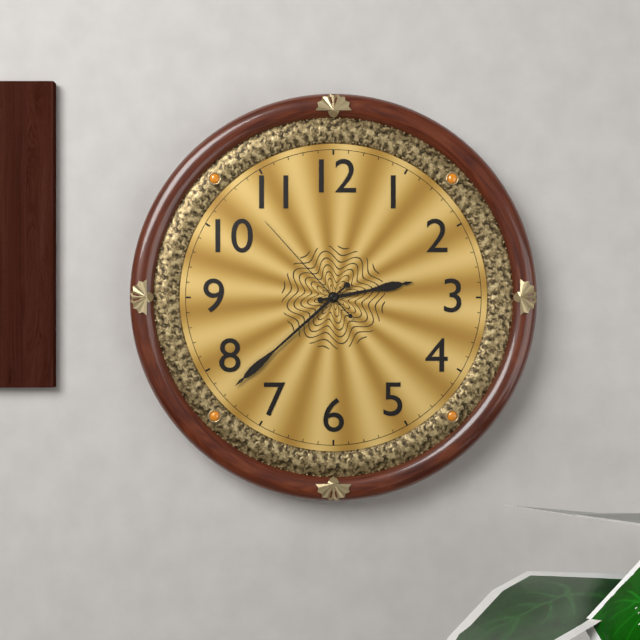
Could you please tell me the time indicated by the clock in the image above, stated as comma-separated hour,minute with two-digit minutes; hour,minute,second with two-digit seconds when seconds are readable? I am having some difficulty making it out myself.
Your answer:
2,38,53
